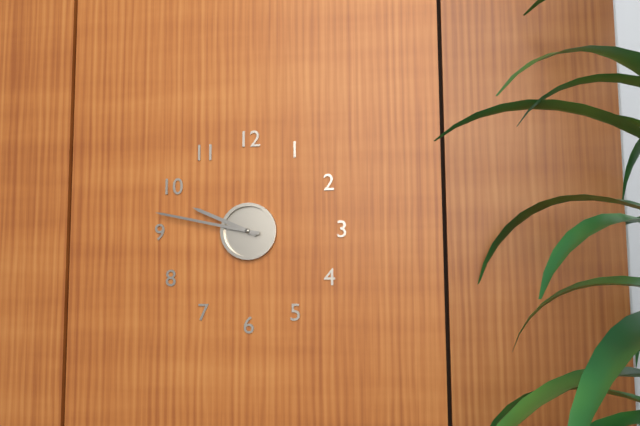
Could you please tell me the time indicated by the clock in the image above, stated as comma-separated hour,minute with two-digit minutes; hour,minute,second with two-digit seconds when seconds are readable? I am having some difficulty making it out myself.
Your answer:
9,47
